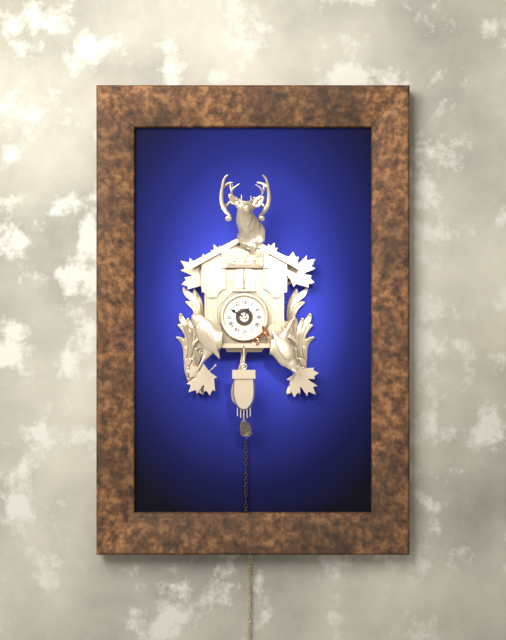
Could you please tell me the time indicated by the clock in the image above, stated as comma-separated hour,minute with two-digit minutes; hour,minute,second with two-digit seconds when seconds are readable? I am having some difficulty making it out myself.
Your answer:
12,50
